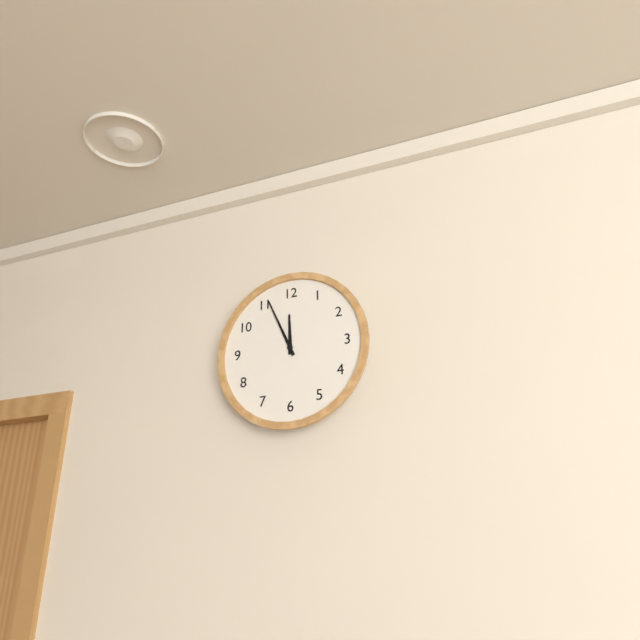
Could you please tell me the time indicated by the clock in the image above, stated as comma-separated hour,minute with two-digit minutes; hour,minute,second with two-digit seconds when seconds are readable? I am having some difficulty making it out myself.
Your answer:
11,56
